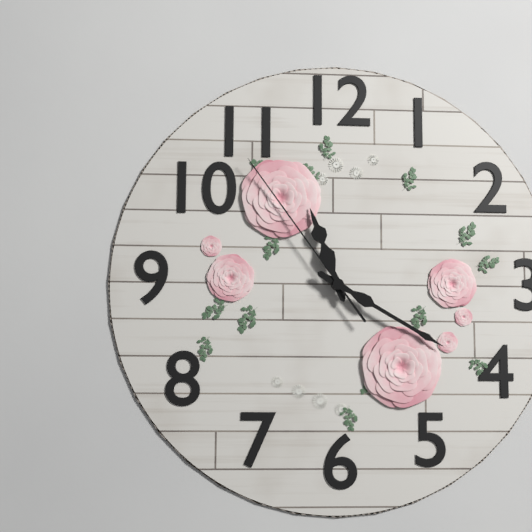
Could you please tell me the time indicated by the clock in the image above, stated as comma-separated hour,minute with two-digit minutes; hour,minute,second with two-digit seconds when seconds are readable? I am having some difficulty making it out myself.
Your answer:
11,20,54
